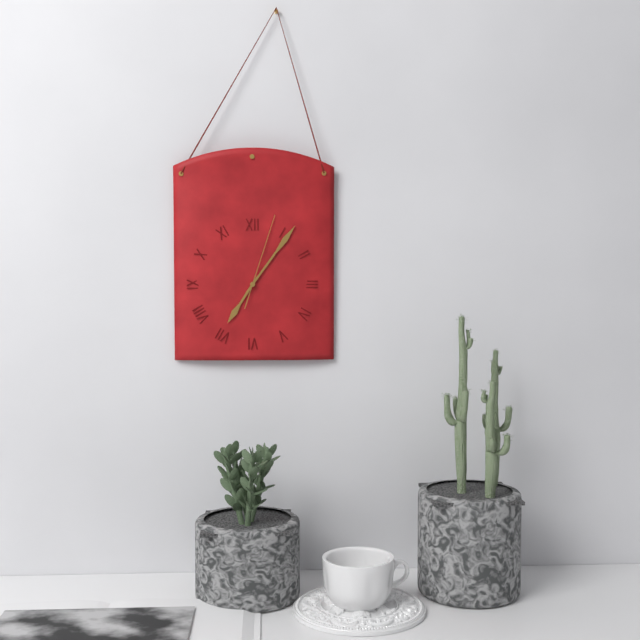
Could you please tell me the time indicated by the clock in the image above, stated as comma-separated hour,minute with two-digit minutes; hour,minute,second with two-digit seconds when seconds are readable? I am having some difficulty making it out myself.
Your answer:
7,06,03
